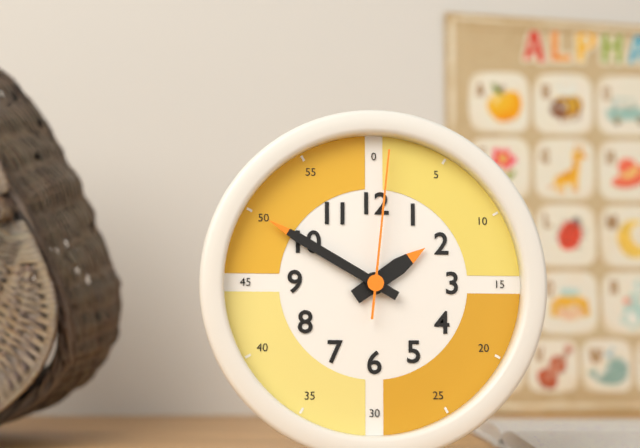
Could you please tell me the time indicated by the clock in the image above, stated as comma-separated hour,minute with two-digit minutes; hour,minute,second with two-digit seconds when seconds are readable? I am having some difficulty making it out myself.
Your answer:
1,50,01
